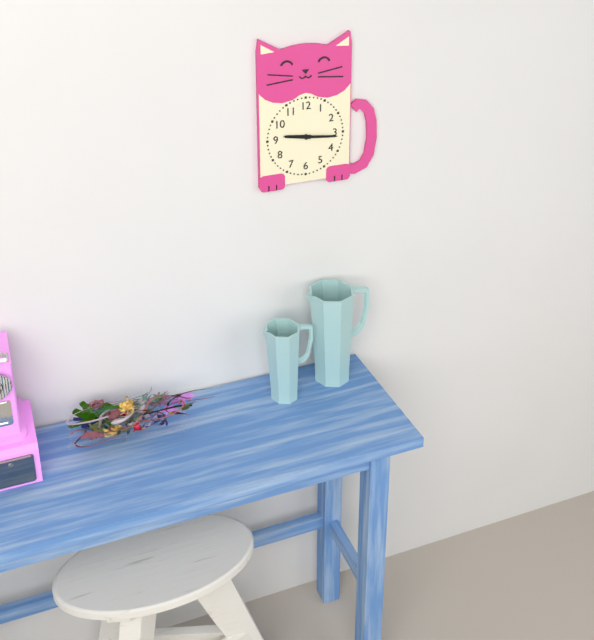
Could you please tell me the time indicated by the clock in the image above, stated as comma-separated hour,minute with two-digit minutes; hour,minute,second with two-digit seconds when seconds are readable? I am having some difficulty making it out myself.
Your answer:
9,16
